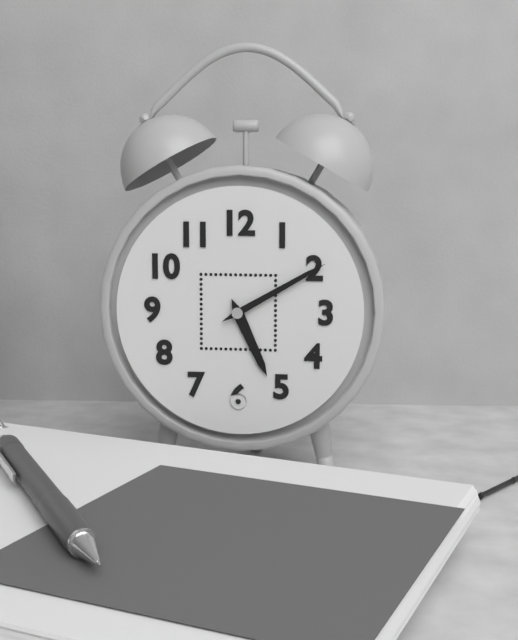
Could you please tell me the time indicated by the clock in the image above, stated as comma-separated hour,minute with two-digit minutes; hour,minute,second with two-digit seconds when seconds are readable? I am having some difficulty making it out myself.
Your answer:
5,10
